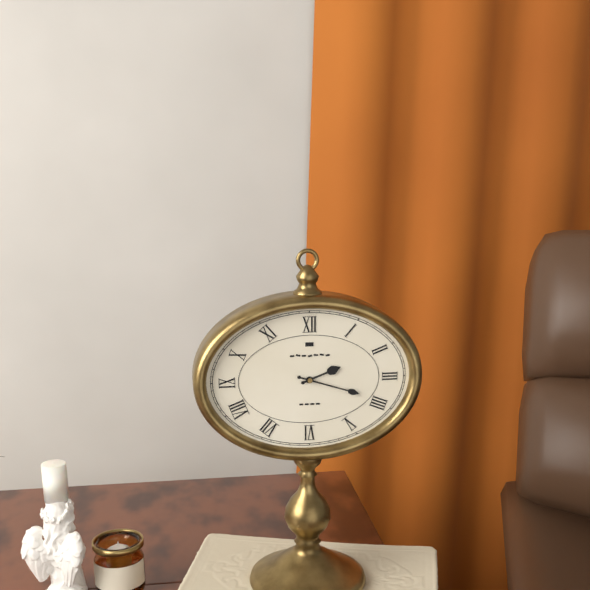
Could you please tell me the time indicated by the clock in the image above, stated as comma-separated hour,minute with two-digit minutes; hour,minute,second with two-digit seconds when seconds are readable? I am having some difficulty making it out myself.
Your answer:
2,18
